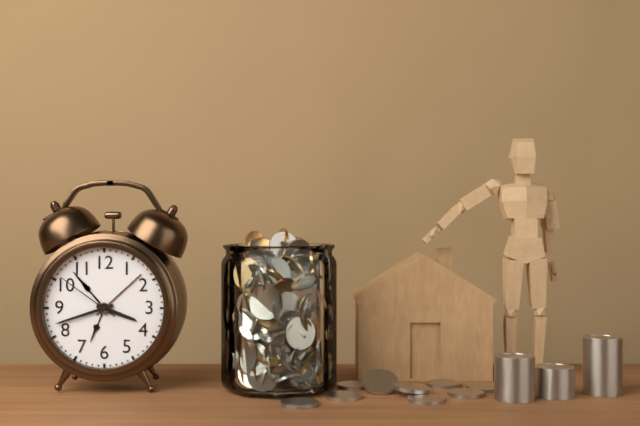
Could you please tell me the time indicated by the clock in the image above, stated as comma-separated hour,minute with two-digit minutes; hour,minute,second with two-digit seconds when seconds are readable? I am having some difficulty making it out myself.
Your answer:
3,42,51
